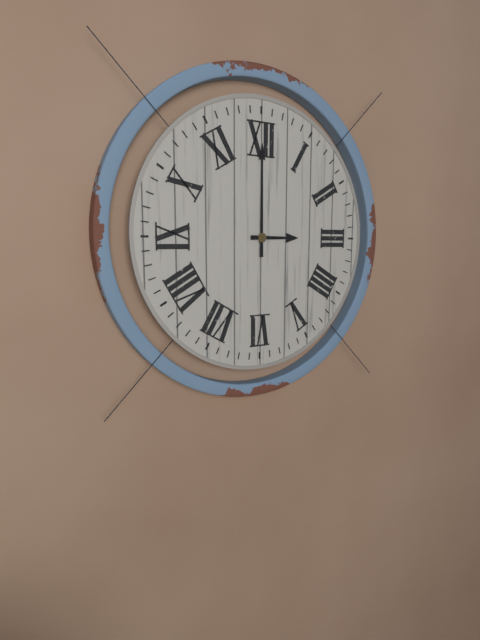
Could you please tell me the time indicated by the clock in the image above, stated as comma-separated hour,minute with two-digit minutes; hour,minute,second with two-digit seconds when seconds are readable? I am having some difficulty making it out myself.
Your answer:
3,00
